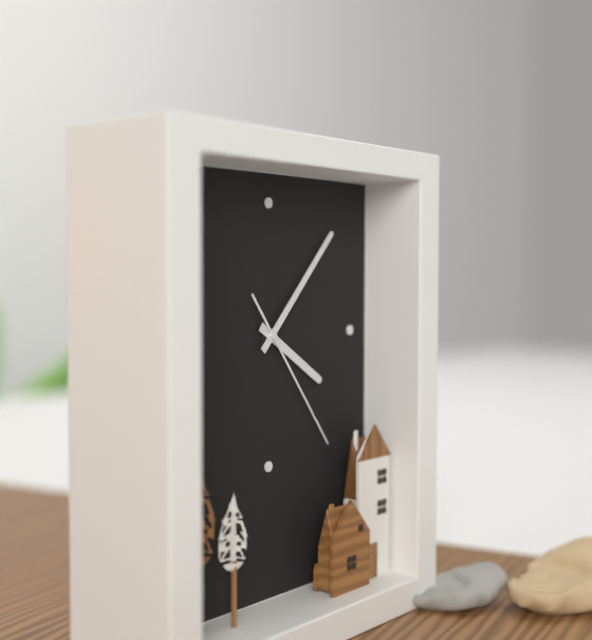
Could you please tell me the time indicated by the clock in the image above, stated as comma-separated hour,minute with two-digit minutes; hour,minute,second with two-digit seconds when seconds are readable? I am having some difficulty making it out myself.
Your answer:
4,07,24
